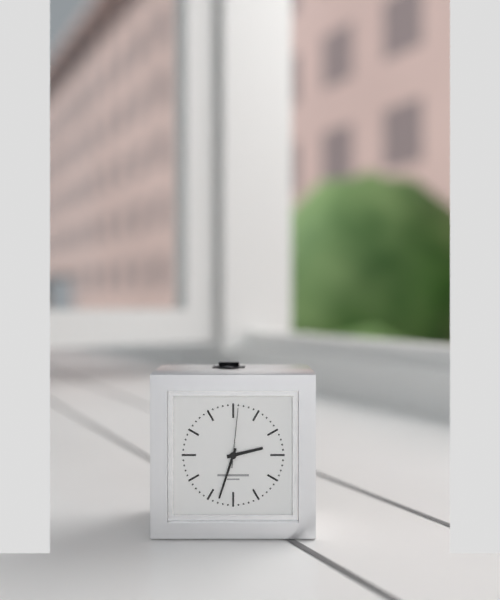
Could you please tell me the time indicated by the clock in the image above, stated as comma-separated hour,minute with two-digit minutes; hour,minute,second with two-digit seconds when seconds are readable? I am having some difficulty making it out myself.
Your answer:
2,33,01
